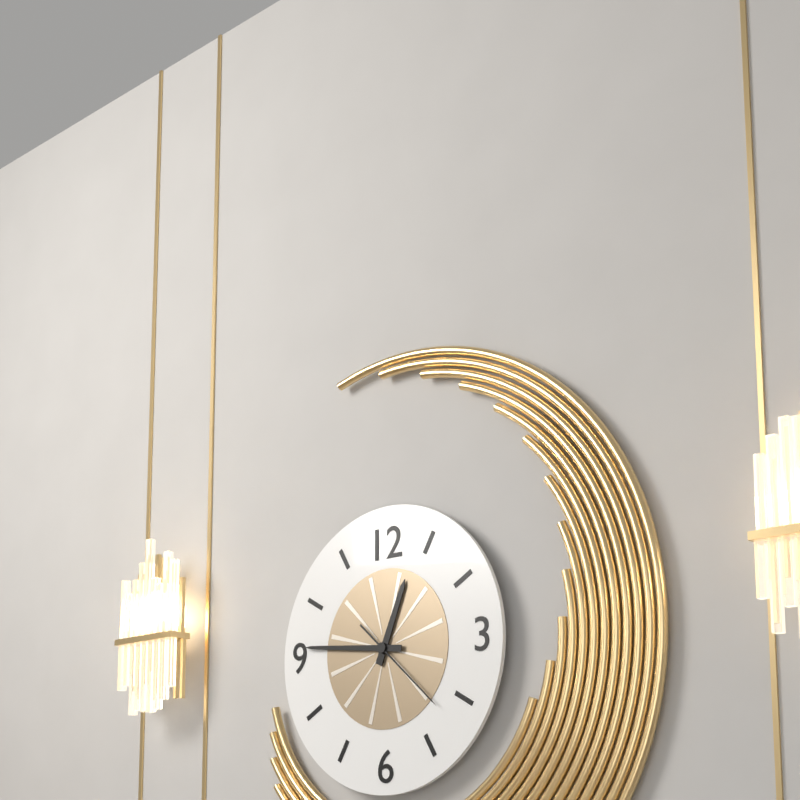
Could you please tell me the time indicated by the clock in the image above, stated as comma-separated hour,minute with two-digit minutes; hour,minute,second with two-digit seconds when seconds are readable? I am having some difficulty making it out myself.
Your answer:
12,46,22
